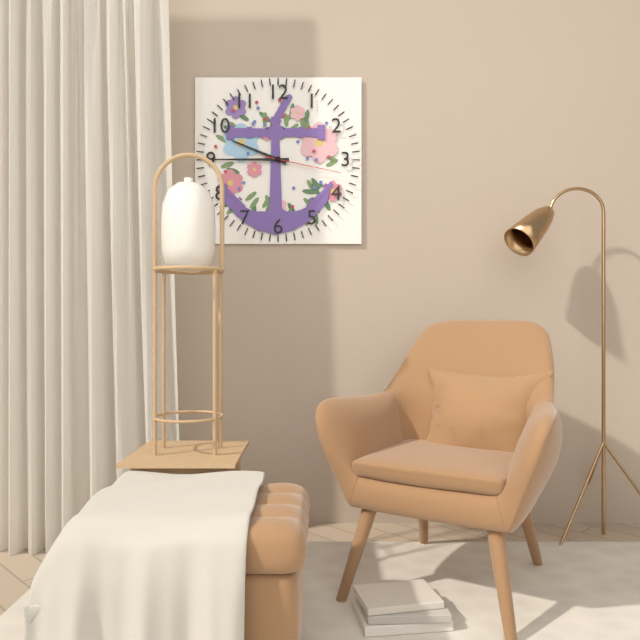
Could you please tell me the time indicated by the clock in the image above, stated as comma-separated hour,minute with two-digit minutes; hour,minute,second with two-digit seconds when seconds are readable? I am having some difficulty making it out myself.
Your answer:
9,45,17
